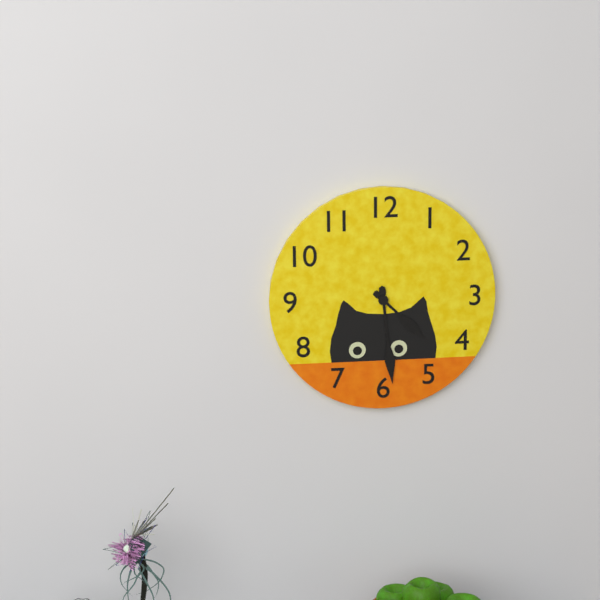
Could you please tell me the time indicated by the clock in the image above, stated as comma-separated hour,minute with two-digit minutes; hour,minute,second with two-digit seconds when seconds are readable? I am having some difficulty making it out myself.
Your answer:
4,29
